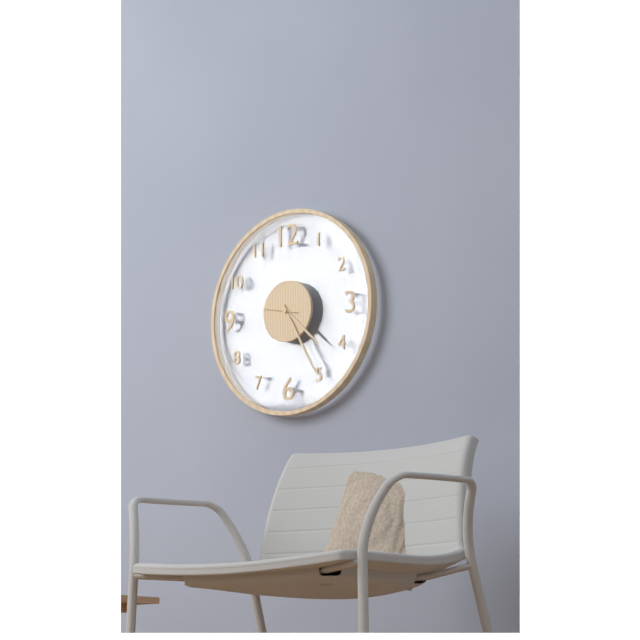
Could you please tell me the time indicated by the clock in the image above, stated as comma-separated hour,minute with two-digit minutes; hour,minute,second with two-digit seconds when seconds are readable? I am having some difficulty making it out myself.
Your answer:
4,25
